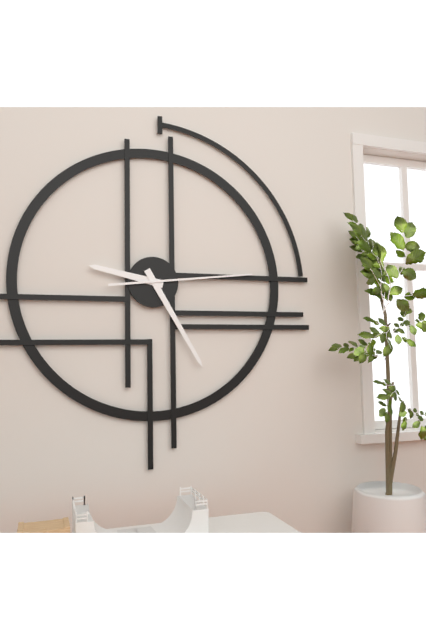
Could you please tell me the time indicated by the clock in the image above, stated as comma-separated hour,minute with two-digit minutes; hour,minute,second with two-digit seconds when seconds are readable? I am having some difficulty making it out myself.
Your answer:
9,25,14
